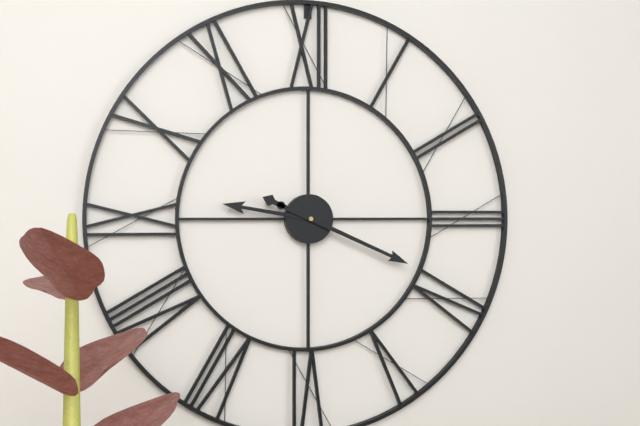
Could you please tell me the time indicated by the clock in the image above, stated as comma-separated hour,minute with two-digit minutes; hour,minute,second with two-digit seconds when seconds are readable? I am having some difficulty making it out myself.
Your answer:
9,19
